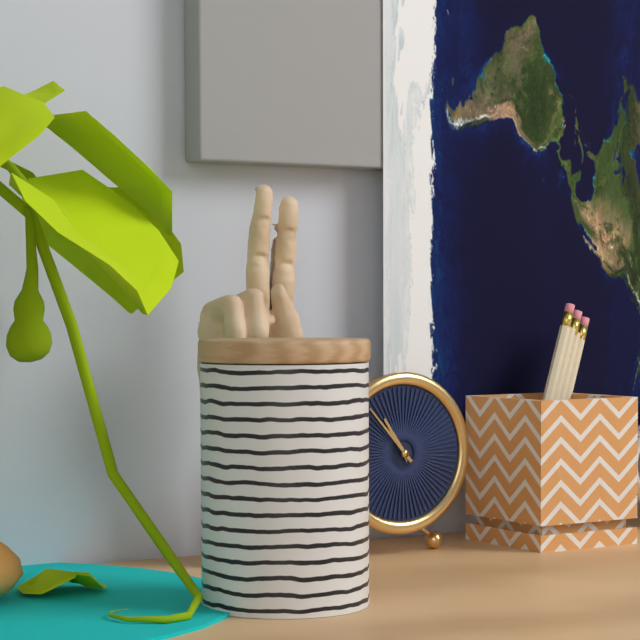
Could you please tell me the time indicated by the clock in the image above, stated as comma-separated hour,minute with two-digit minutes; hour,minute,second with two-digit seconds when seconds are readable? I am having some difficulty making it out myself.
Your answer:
10,53
